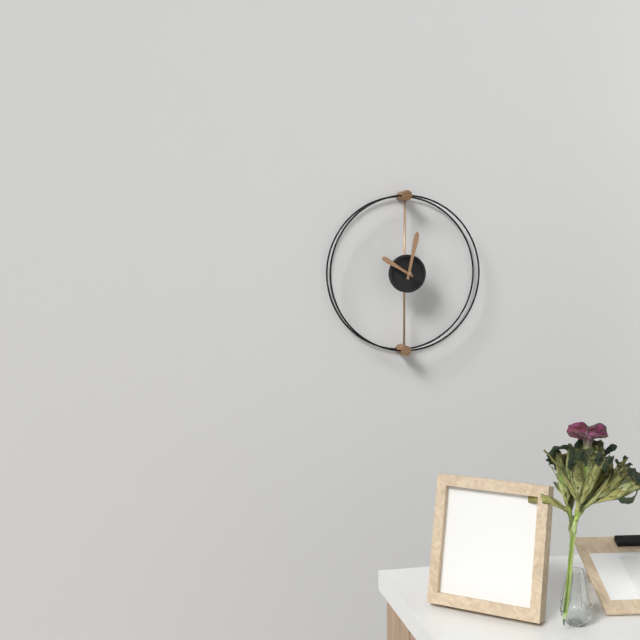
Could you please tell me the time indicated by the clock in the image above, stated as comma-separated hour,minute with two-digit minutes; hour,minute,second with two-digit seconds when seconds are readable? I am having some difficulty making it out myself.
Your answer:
10,02
